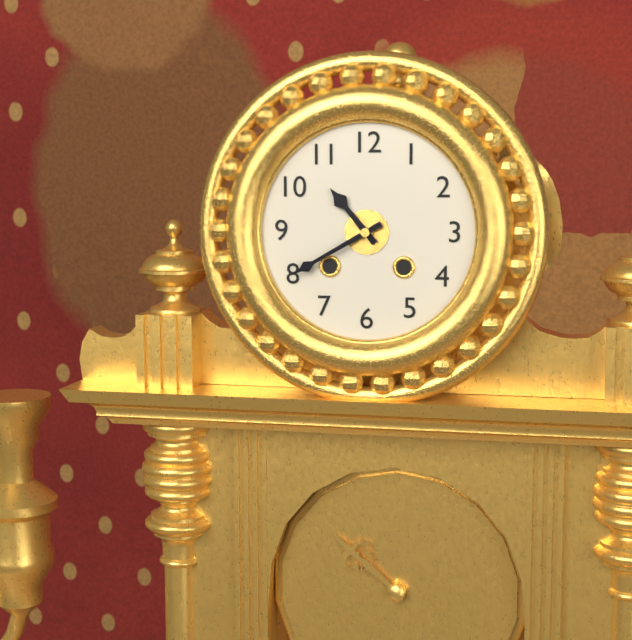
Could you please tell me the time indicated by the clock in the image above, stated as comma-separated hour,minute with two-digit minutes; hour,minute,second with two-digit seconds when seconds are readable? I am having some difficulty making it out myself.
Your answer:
10,40
